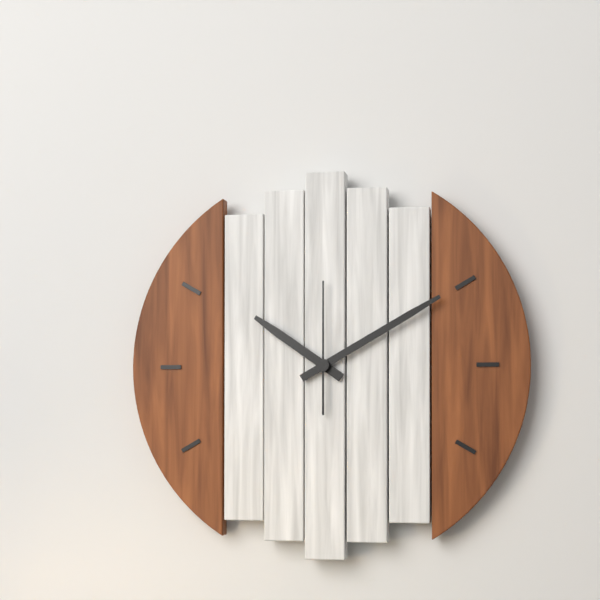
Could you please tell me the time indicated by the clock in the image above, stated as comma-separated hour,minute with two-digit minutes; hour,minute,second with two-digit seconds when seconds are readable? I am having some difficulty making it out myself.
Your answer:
10,10,00
